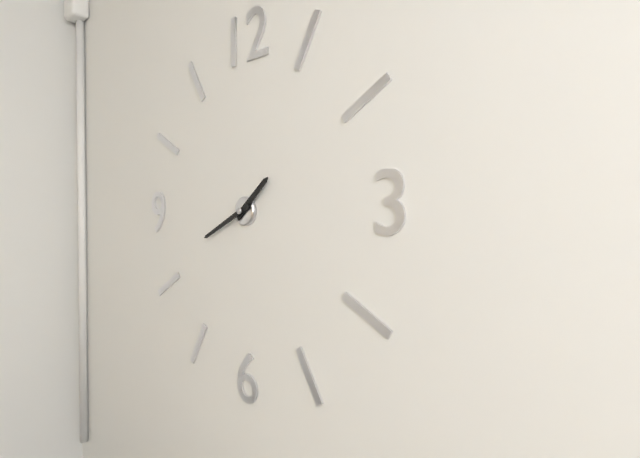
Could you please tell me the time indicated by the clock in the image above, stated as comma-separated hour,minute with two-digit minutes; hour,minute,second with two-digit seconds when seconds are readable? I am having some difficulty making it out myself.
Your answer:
1,41
